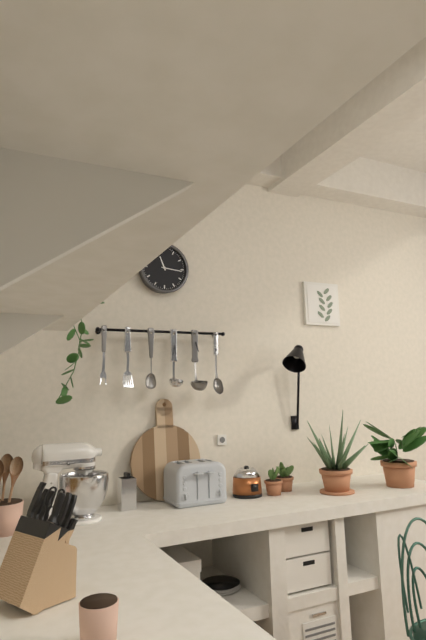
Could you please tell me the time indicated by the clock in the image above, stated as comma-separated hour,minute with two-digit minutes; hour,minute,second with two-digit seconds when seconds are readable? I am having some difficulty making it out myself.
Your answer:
11,16
